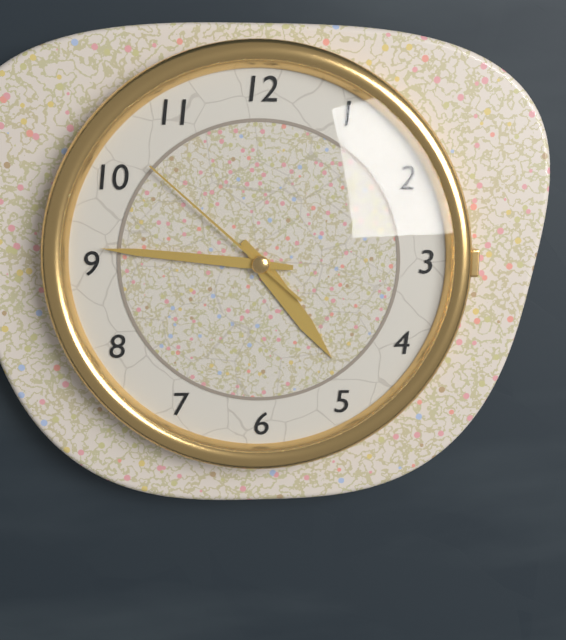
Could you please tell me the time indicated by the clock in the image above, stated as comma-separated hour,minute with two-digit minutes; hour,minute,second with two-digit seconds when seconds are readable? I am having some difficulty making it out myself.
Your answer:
4,46,52
